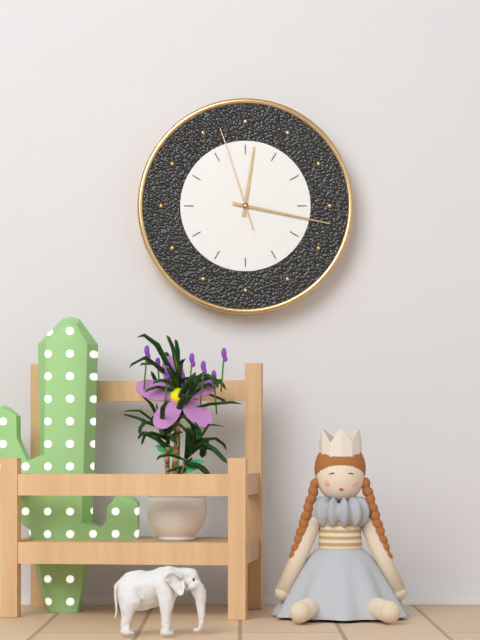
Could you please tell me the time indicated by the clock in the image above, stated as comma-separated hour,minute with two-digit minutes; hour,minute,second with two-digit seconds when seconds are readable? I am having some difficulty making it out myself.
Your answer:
12,17,57
